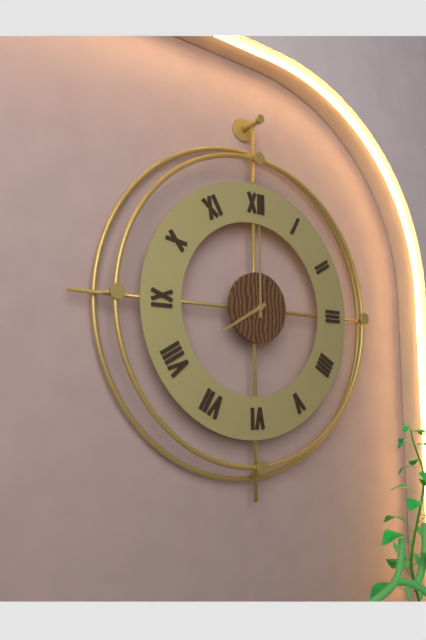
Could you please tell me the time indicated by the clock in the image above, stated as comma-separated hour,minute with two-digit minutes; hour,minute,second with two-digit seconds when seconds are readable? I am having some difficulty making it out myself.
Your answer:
8,00
